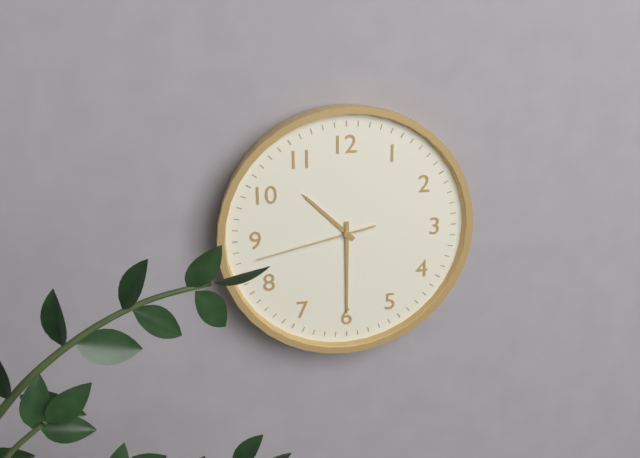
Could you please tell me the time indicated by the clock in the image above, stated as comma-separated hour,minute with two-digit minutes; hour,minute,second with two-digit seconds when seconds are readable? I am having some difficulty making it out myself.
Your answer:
10,30,43
